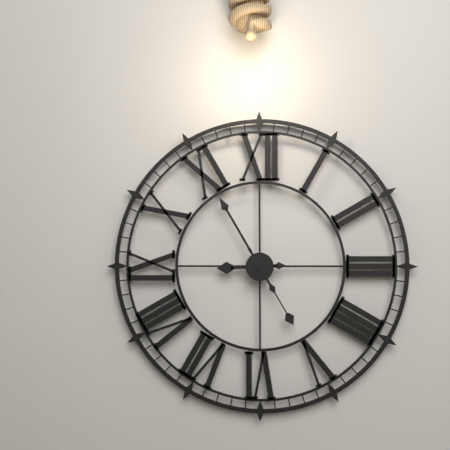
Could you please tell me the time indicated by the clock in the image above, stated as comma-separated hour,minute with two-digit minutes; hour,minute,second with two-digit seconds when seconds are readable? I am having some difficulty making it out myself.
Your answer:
8,55,25
